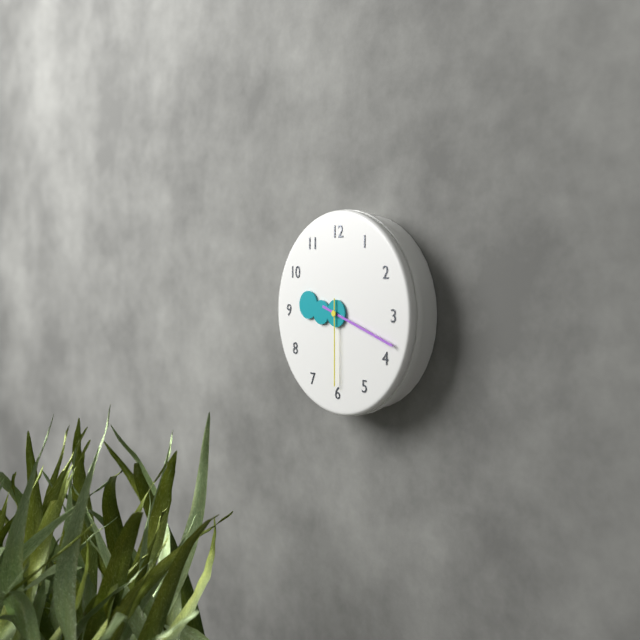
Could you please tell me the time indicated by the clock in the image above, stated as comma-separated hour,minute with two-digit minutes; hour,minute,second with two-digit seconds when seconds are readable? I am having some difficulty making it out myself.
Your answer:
9,18,30
